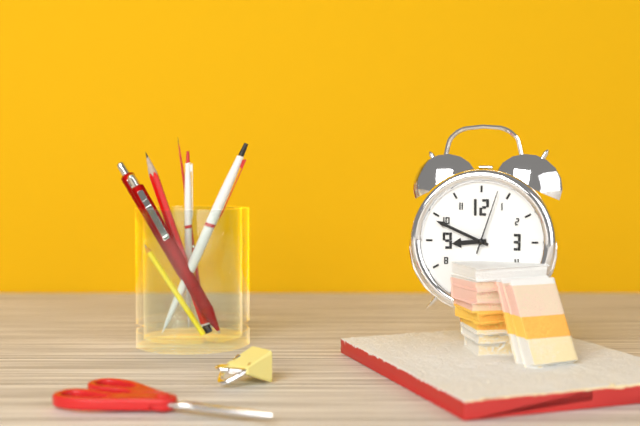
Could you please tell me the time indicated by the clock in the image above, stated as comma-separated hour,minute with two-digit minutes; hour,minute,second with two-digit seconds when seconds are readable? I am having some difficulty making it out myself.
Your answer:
8,49,03
